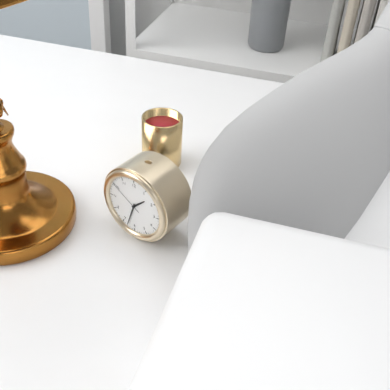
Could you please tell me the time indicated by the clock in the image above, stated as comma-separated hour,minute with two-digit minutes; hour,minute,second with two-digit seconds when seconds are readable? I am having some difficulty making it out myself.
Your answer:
1,33
